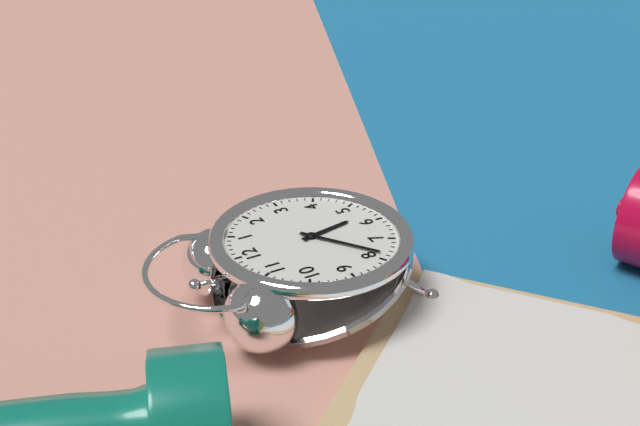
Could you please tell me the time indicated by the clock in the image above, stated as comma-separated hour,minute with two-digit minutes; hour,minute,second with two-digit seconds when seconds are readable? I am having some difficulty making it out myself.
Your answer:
5,39
